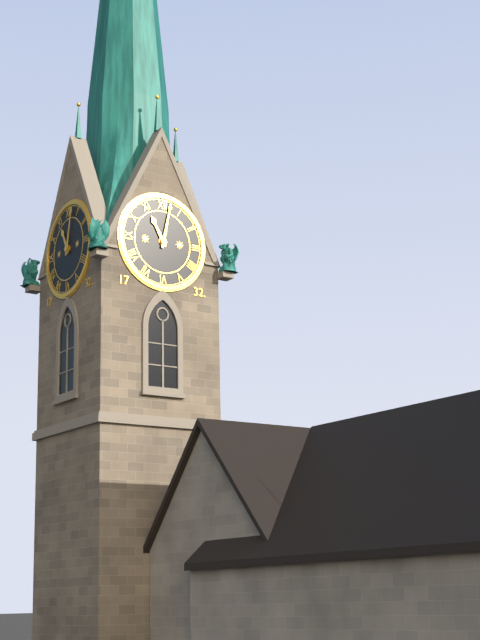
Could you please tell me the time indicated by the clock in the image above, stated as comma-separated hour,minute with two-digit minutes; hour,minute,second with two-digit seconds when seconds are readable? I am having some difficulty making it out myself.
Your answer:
11,02
